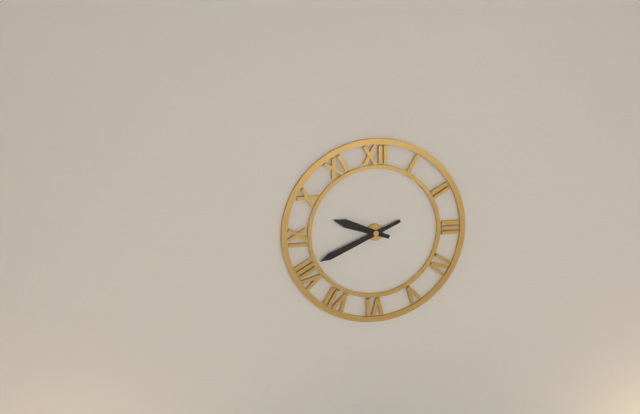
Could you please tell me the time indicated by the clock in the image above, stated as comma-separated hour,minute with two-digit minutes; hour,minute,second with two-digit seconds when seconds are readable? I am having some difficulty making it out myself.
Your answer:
9,41
